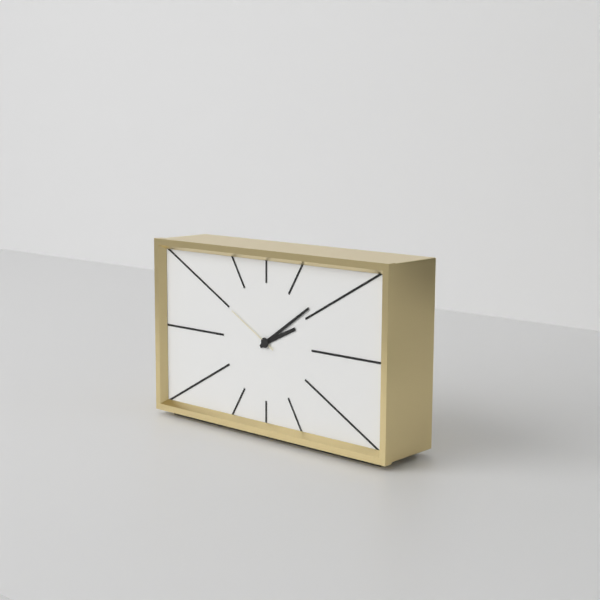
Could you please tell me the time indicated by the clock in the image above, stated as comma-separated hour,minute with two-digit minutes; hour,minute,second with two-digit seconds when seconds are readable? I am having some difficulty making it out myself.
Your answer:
2,09,50
